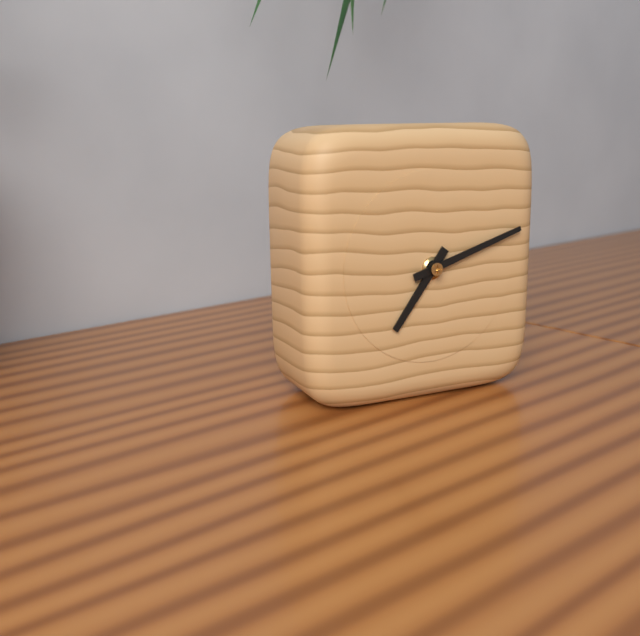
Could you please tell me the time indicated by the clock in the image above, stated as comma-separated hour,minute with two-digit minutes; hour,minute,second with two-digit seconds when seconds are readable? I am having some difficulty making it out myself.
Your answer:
7,12
